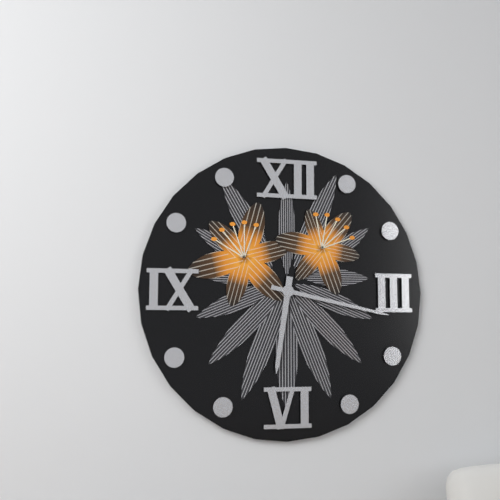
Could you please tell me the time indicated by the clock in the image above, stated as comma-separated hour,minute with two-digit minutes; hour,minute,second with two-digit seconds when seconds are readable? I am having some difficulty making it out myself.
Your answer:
6,17
